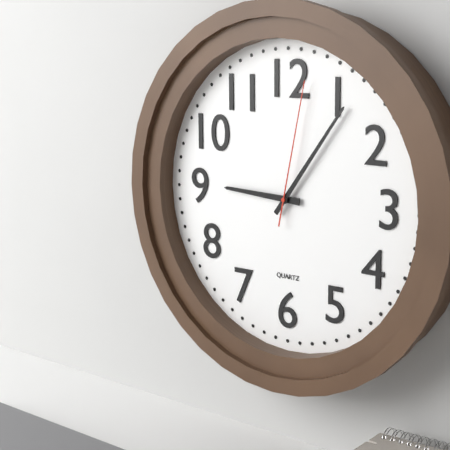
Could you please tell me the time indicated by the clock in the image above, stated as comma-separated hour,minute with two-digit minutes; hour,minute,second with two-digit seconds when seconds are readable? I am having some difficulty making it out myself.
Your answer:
9,06,02
